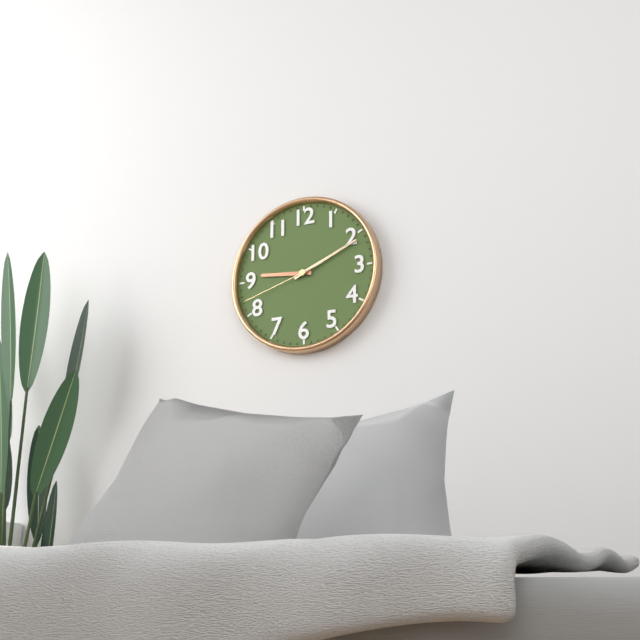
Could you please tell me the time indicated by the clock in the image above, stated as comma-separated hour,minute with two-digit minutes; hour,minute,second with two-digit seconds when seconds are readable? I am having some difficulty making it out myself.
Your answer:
9,11,42
